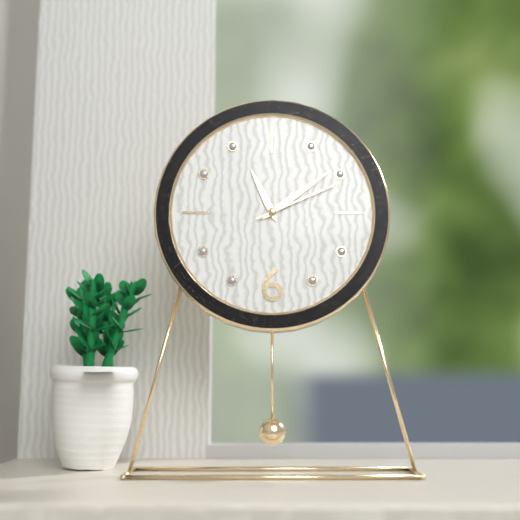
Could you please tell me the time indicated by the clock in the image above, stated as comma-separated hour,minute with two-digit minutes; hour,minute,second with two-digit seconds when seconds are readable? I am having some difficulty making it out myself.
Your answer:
11,09,11
